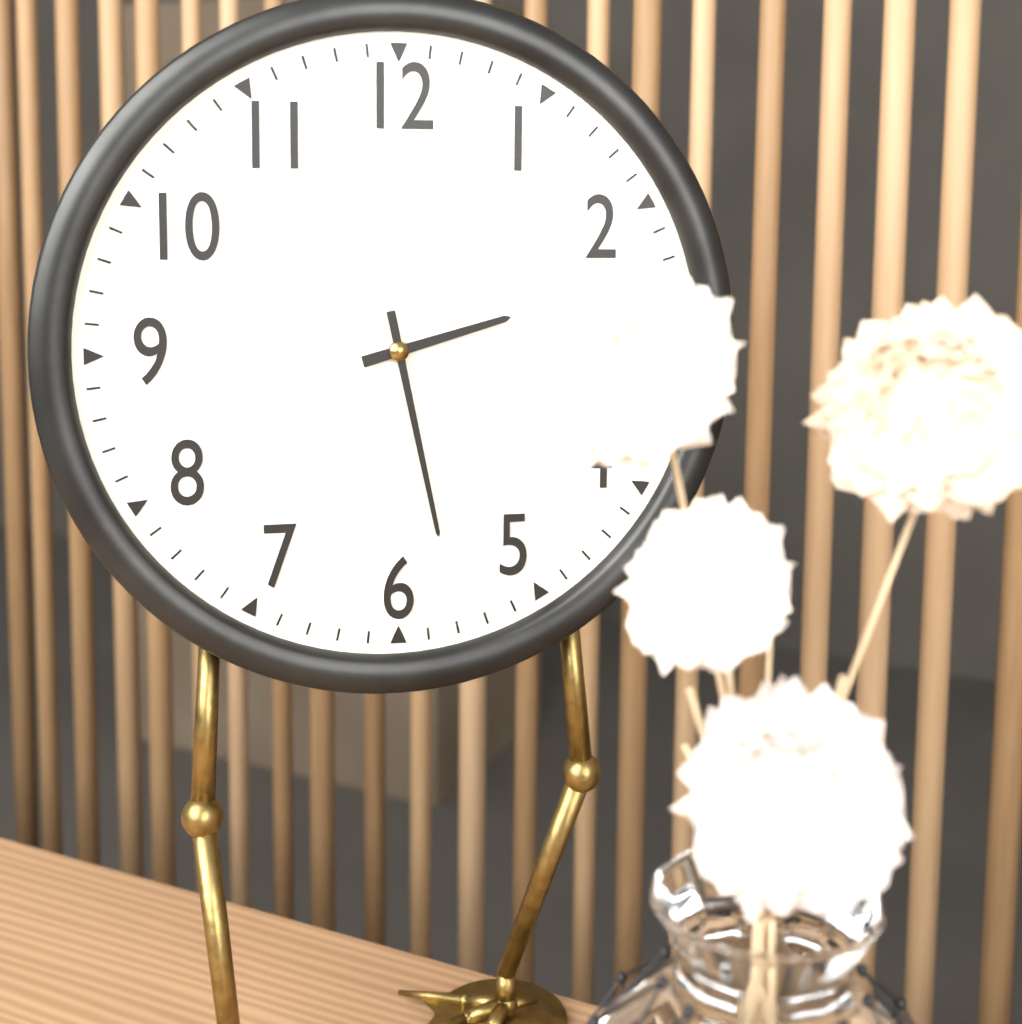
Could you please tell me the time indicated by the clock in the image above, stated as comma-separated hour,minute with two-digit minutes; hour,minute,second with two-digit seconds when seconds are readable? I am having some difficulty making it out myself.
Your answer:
2,28
